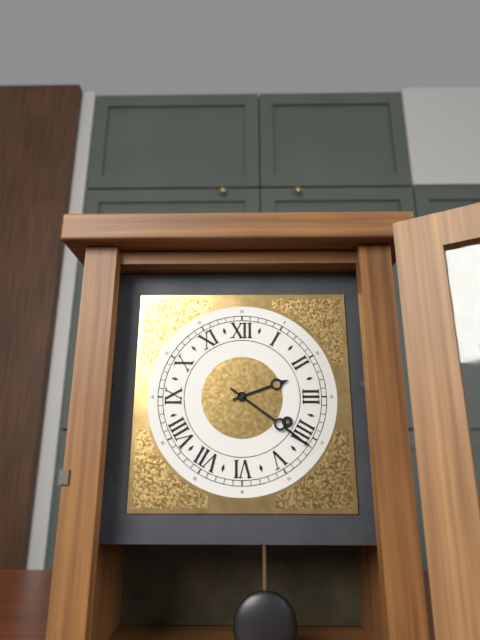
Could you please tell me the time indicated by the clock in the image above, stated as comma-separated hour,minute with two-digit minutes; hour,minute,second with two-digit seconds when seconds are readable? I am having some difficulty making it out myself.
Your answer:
2,21
